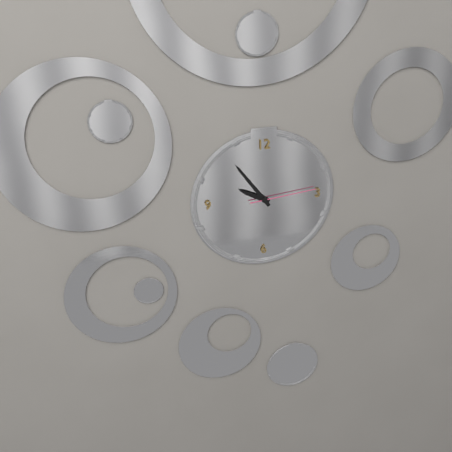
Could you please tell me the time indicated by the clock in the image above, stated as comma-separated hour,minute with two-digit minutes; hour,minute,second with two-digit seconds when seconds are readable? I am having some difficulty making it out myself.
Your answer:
9,54,14
